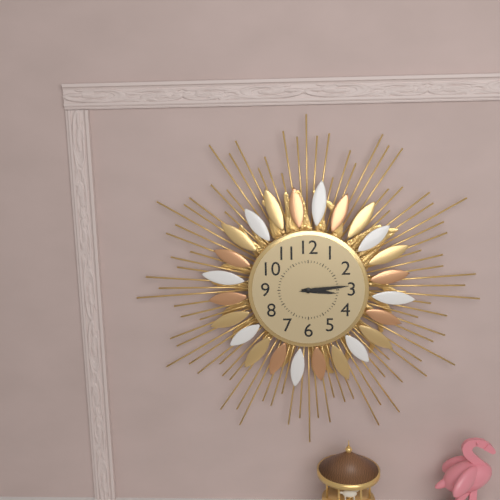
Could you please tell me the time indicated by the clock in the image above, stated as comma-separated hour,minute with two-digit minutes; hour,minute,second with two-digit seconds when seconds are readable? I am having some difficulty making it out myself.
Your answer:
3,14
